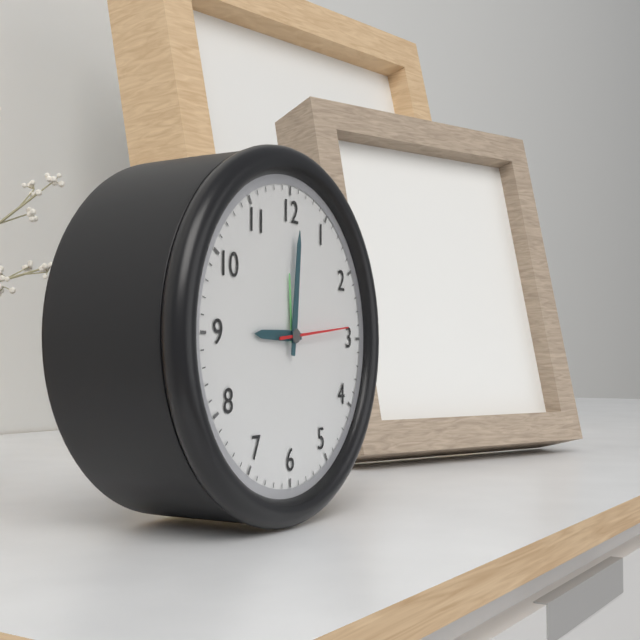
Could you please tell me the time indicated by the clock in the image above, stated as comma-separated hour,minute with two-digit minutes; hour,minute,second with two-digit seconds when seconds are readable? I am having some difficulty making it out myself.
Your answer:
9,01,14
